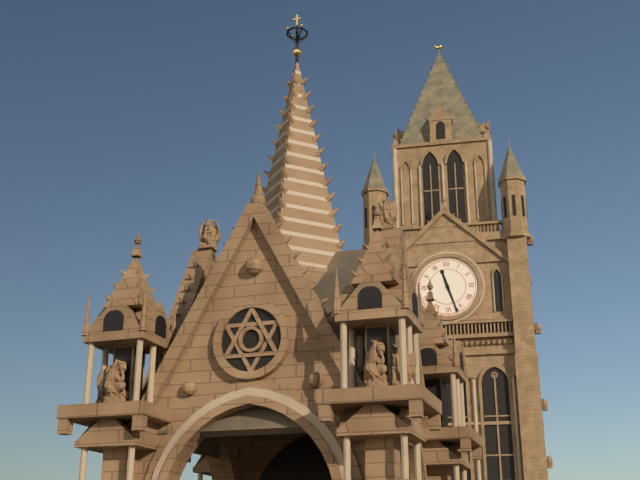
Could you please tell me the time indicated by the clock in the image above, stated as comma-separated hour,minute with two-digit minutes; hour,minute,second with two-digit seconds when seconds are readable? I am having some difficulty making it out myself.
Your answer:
11,27
